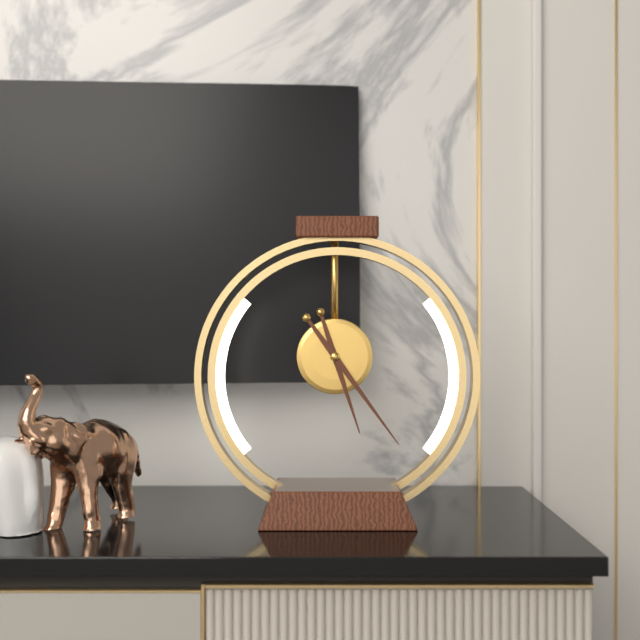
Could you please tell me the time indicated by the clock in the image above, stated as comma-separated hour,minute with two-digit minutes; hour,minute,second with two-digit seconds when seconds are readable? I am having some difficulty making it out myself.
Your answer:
5,24
